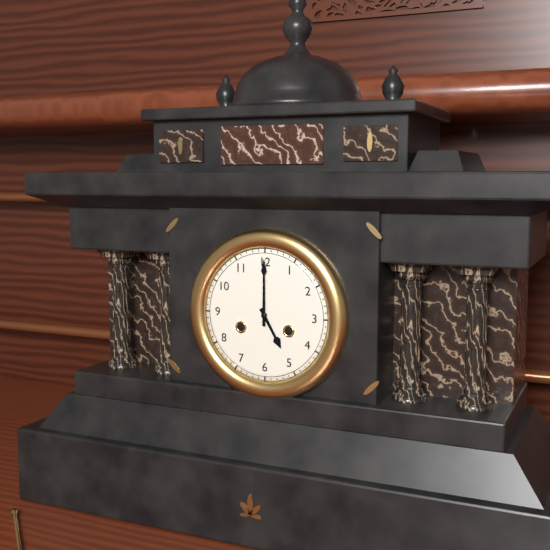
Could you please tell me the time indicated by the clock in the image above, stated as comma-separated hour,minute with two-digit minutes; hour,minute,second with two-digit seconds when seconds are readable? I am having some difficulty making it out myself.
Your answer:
5,00
